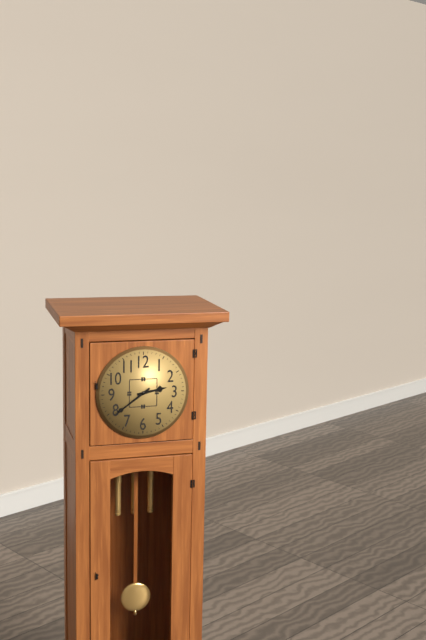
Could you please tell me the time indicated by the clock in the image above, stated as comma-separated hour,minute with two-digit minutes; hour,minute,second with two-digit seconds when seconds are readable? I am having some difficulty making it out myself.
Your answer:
2,39
